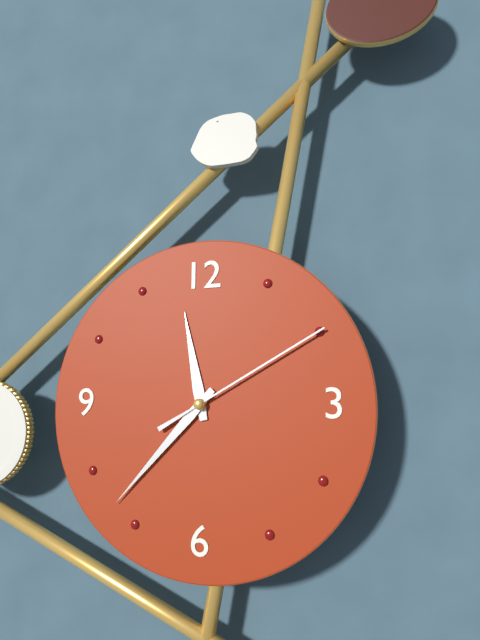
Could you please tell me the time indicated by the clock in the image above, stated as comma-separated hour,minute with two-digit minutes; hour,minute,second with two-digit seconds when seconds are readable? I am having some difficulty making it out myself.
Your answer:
11,37,10
